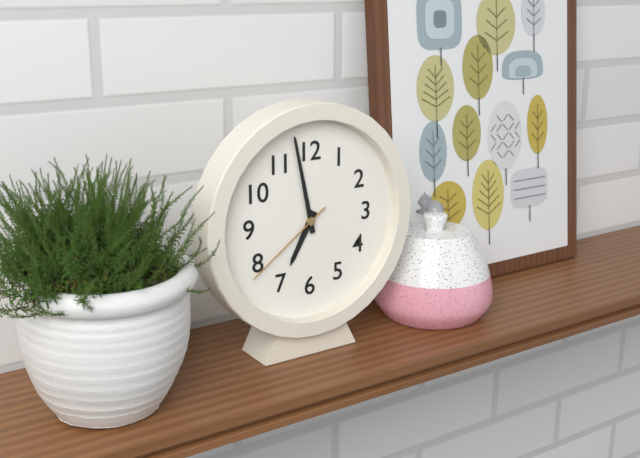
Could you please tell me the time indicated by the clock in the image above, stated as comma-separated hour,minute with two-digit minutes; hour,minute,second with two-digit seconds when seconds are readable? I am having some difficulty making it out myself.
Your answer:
6,58,39
